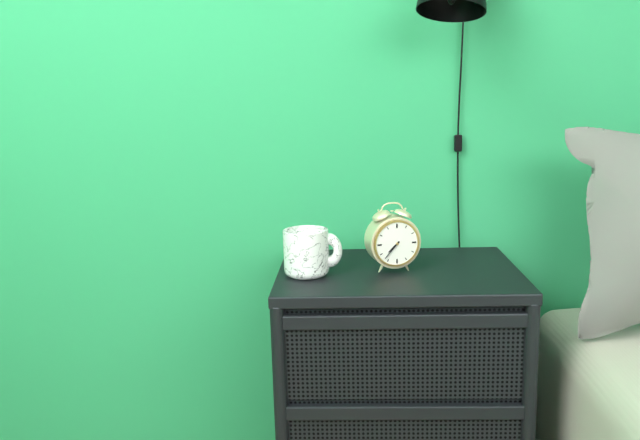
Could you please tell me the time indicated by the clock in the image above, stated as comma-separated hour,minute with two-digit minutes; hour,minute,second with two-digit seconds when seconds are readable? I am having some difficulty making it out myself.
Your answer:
7,37
